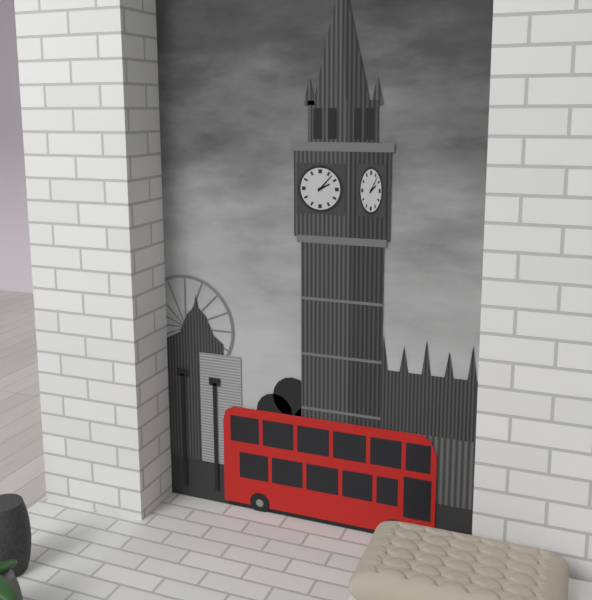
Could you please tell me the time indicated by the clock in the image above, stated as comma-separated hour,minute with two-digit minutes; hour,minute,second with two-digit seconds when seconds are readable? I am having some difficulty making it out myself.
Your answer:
2,07
